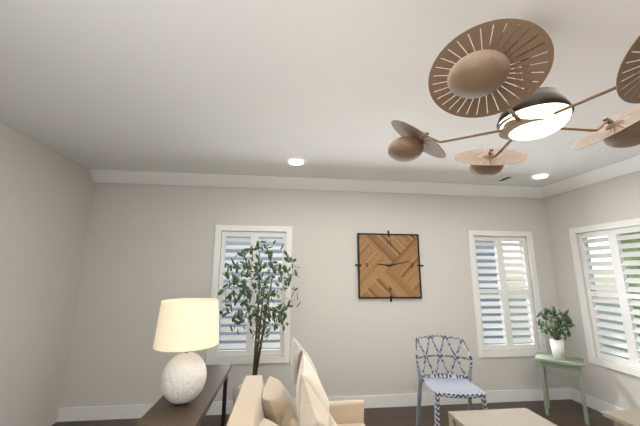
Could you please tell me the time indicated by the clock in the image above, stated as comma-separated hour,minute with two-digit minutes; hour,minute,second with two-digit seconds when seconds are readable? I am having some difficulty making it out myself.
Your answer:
9,13
